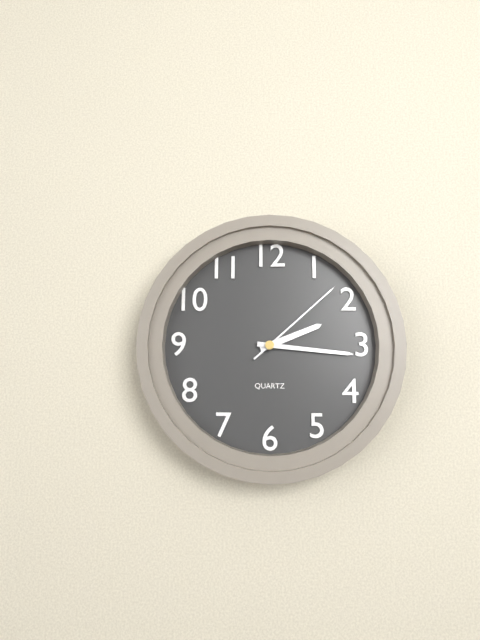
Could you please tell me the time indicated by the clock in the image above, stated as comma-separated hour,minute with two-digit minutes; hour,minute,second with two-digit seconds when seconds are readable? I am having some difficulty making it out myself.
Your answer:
2,16,08
